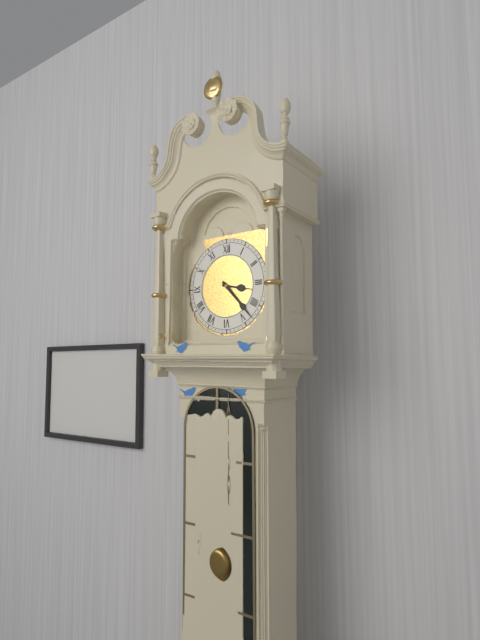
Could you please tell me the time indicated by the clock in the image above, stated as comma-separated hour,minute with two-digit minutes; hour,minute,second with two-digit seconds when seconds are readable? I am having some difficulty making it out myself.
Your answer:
3,23
